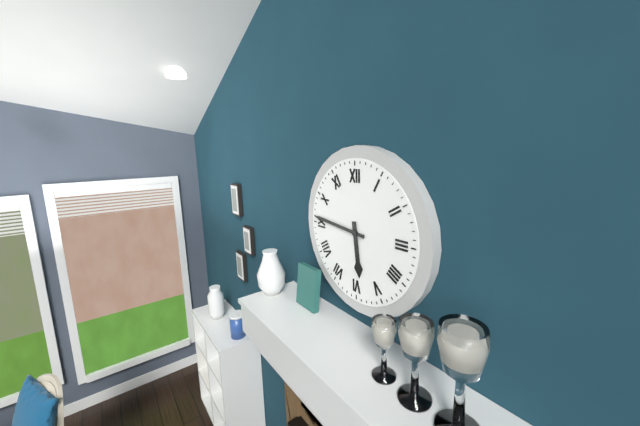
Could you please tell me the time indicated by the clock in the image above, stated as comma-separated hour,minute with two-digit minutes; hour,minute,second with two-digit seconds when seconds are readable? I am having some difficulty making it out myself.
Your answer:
5,46
